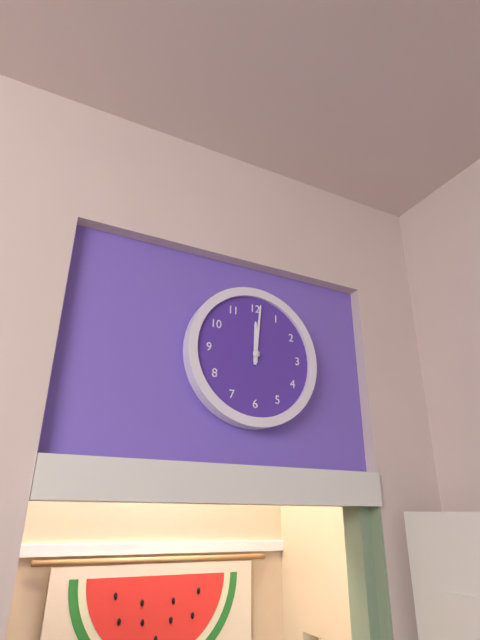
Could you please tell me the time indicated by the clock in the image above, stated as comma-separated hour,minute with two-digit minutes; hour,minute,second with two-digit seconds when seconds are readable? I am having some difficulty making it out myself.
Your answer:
12,01
